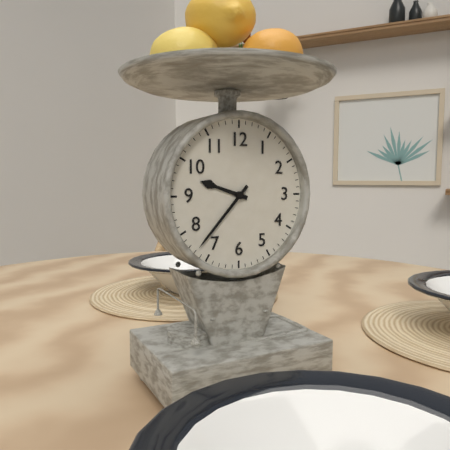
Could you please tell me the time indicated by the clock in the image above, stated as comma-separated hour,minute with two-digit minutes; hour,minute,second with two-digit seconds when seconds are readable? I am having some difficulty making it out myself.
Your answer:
9,37
